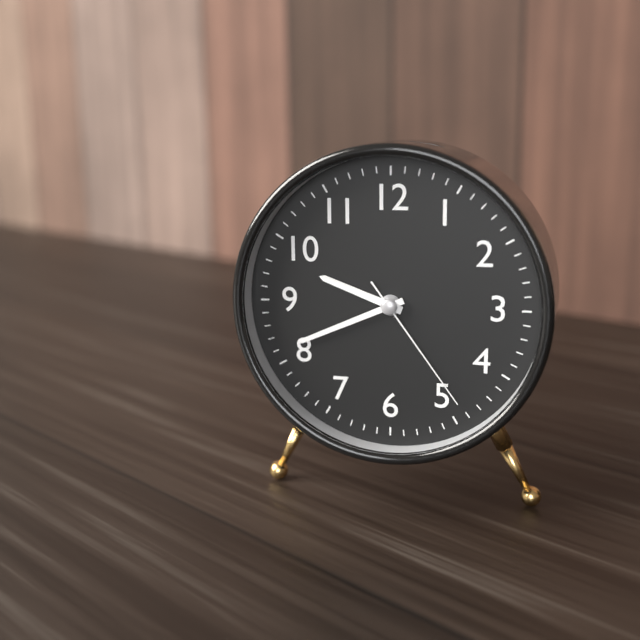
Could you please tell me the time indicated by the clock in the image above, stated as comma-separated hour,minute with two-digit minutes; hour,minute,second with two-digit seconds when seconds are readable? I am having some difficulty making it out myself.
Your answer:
9,41,24
